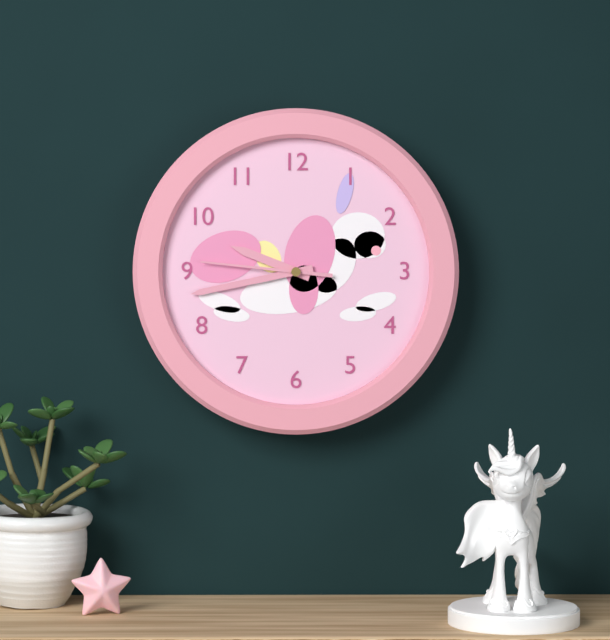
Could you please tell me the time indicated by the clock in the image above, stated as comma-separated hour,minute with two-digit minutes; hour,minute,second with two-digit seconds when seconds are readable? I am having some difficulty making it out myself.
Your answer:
9,43,46
